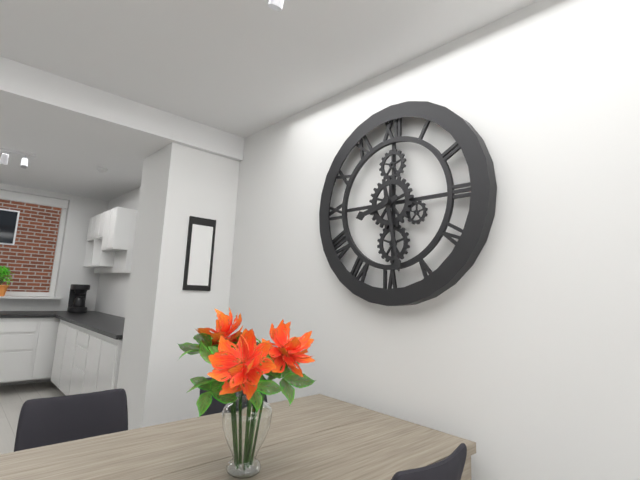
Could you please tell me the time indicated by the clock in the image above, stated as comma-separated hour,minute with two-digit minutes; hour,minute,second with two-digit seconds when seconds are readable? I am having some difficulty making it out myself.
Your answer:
8,28
